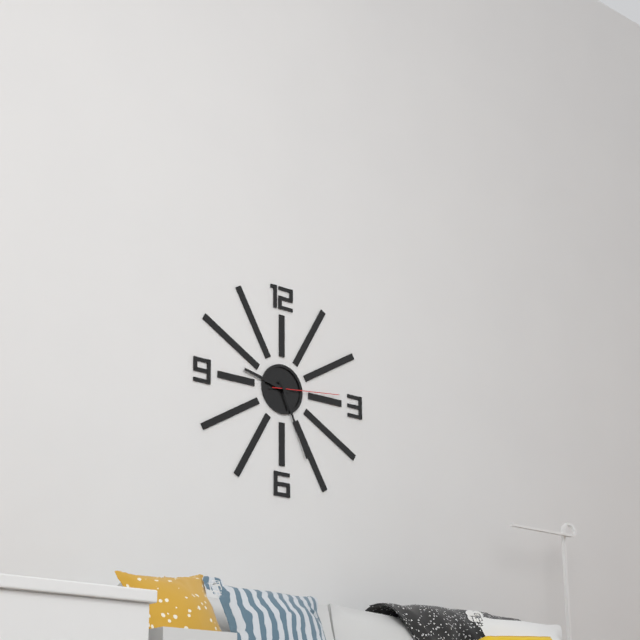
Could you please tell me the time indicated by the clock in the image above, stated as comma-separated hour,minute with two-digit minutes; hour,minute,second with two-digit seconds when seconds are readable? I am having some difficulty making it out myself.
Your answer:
9,26,14
